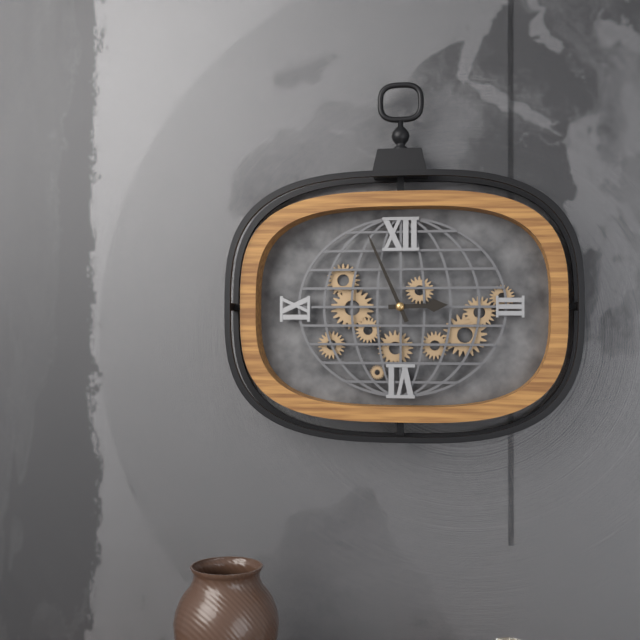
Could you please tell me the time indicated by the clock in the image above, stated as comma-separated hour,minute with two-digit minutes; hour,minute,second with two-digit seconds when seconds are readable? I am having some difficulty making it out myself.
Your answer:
2,56
